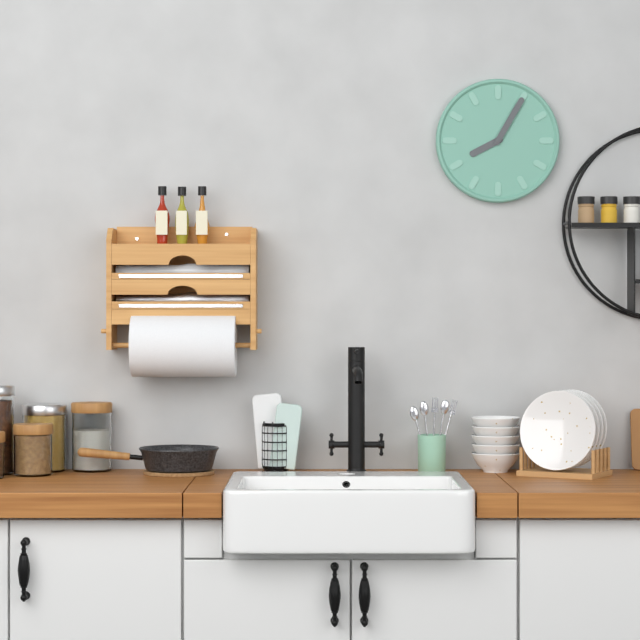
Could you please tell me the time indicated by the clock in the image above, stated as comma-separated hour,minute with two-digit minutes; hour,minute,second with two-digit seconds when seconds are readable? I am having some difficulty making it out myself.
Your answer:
8,05
